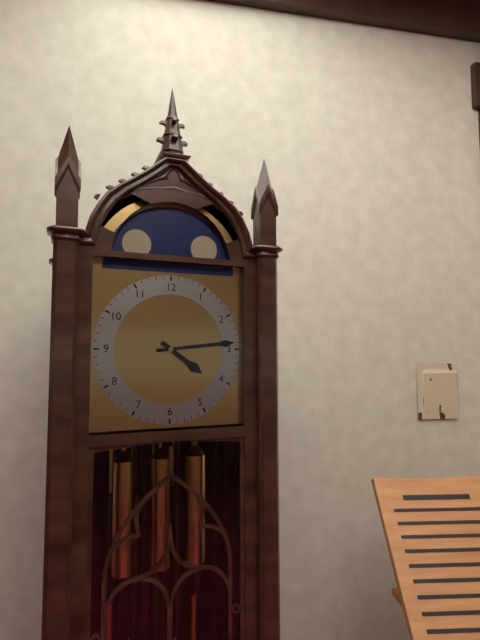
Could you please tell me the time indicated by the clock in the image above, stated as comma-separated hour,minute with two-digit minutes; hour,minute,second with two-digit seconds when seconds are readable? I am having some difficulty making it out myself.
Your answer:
4,14
